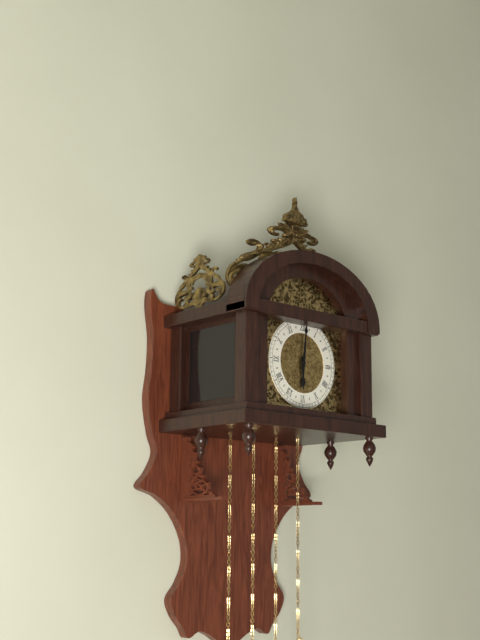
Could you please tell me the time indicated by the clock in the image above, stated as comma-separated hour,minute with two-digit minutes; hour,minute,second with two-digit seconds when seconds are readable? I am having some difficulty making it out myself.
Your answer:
6,01
